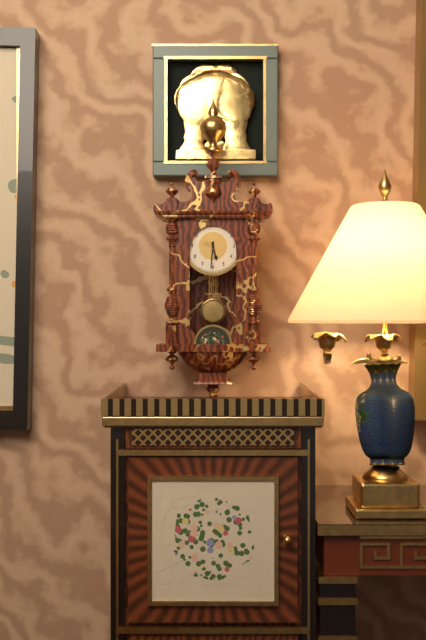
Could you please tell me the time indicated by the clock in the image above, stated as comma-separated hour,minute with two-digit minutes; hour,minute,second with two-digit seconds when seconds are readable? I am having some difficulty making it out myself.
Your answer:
5,31
